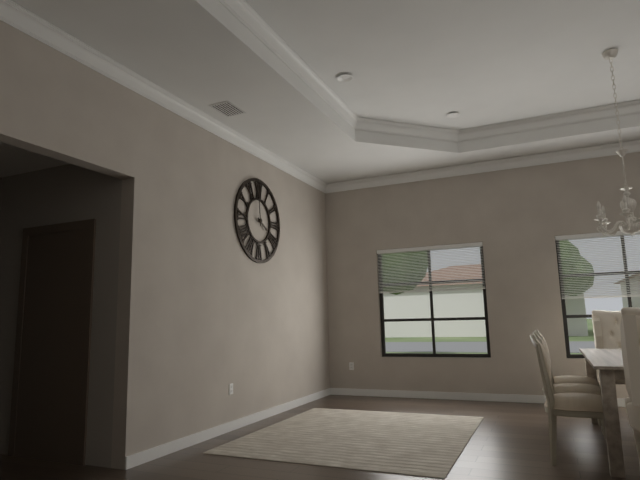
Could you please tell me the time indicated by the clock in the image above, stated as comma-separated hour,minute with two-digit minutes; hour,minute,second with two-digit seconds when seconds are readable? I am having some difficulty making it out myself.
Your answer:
3,59
